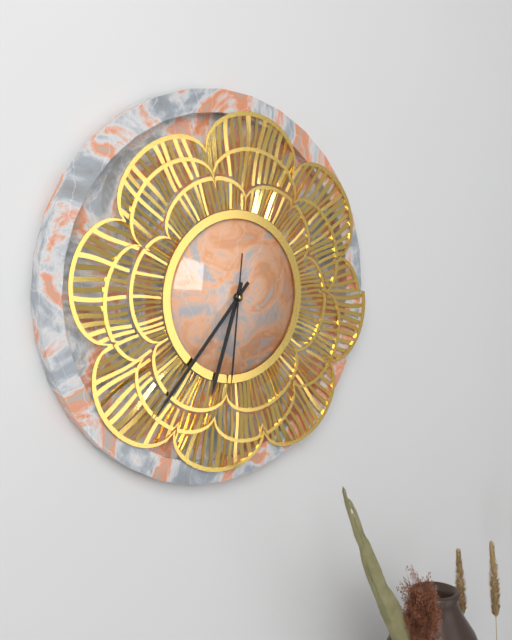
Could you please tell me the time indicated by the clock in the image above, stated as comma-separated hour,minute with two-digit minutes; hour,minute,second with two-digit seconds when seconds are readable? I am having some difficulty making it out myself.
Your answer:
6,37,31
